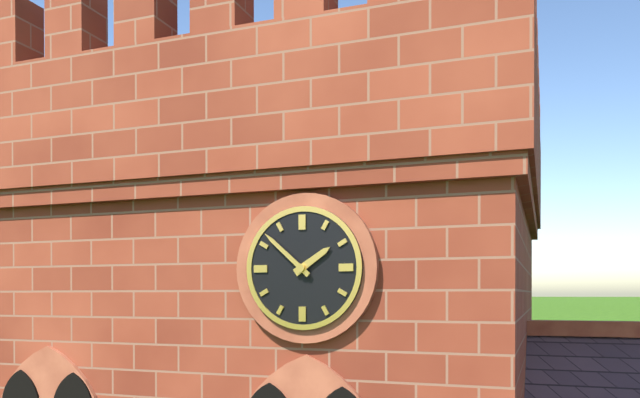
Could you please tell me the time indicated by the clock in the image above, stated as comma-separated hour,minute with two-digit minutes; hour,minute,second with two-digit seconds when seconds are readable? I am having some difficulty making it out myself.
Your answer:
1,52
